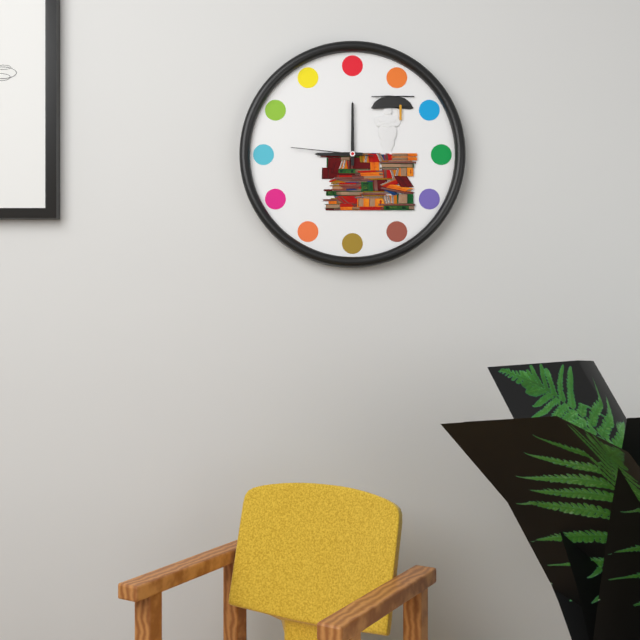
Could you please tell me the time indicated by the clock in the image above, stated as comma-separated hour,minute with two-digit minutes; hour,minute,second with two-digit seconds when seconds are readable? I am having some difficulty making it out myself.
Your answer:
9,00,46
